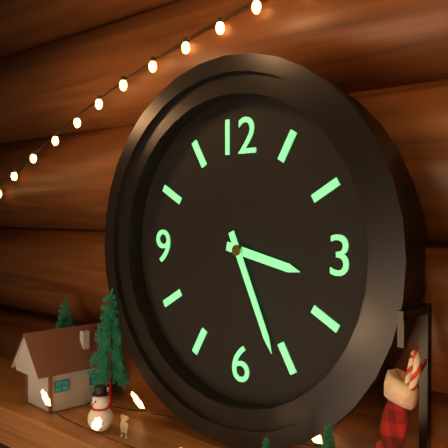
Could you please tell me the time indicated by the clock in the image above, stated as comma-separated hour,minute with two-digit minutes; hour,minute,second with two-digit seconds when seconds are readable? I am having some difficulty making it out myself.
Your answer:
3,26
